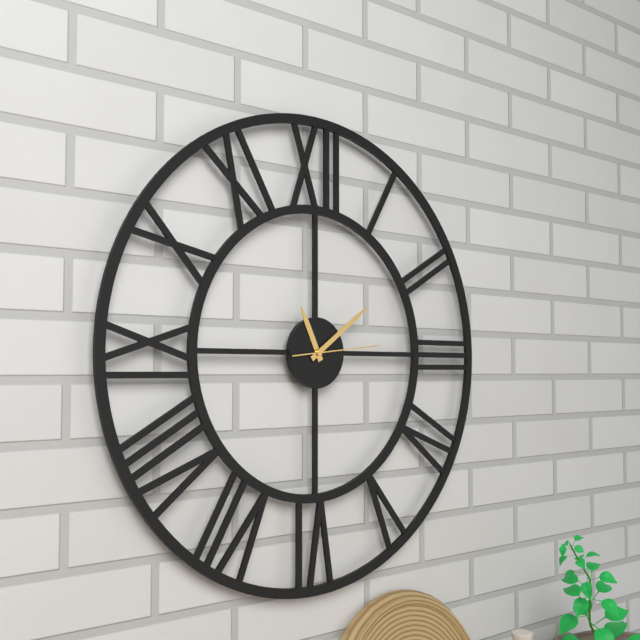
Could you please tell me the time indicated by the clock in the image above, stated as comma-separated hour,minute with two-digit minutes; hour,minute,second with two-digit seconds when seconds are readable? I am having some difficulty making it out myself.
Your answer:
11,09,14
